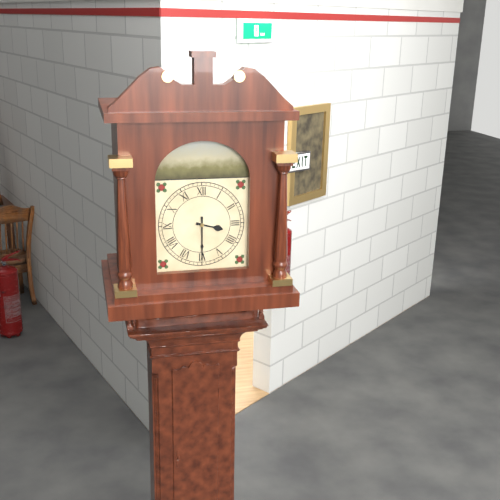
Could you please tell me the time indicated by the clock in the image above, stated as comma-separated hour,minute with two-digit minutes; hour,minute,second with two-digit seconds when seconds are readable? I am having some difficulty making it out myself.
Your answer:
3,30
